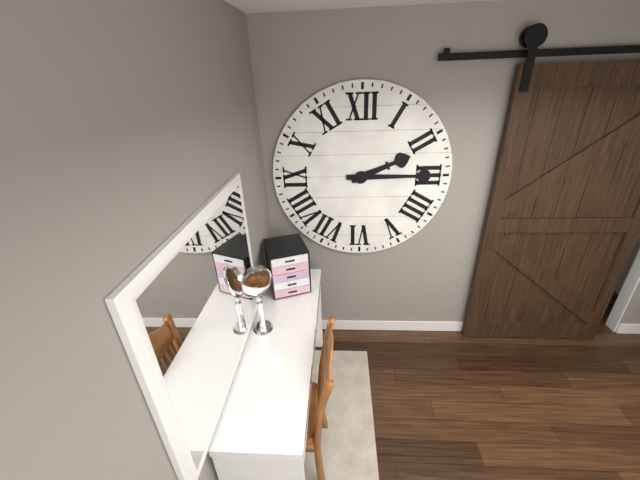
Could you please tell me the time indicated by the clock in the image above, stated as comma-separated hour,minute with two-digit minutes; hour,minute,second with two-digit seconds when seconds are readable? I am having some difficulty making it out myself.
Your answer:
2,15
